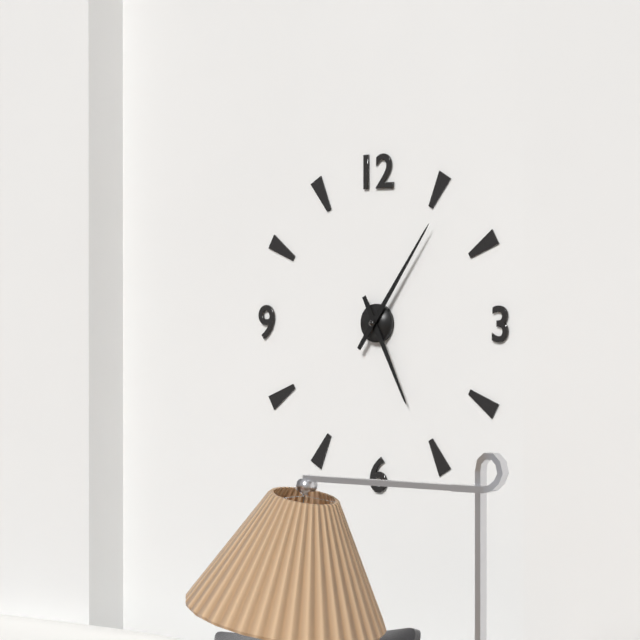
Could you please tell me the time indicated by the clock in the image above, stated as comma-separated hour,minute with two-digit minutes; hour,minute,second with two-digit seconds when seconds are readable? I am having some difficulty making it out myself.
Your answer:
5,06
